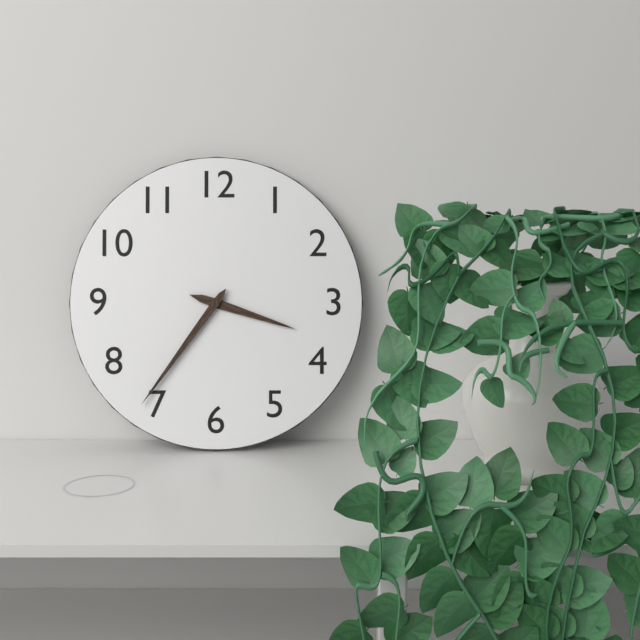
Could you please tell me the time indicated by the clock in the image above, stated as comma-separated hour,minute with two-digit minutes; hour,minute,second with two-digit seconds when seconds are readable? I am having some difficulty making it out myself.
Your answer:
3,36
